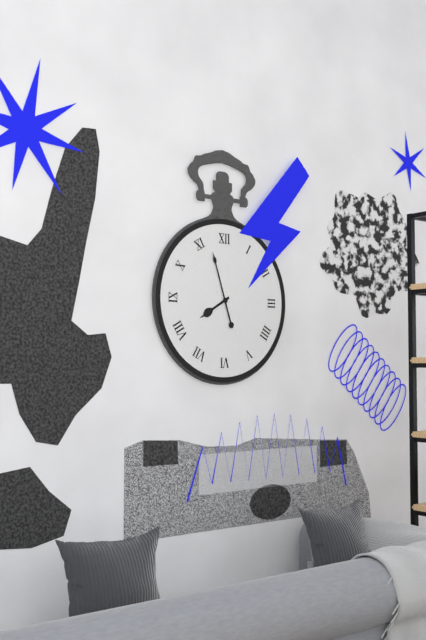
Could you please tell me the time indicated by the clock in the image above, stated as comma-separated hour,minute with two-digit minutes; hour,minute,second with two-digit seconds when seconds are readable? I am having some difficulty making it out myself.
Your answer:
7,57
